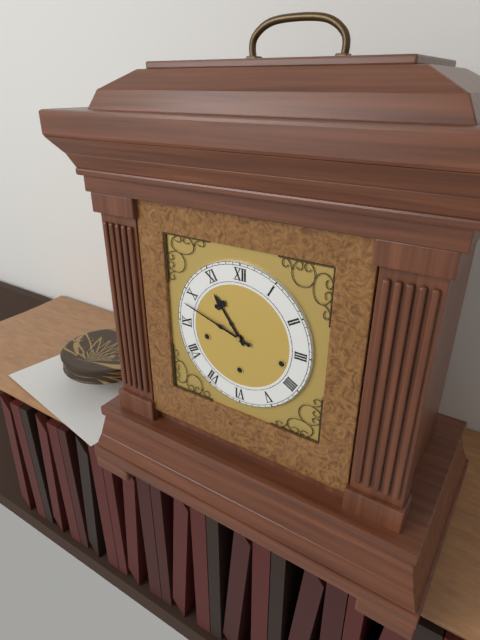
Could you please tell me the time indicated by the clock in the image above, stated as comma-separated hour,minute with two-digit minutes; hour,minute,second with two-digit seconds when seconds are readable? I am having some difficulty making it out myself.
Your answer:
10,48
